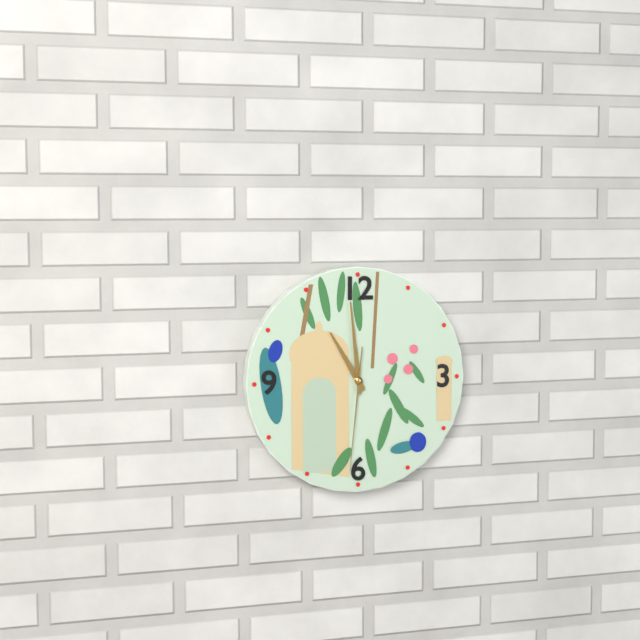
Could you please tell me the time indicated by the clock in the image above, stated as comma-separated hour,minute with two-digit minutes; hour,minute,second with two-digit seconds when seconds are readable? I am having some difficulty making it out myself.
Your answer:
10,59,31
